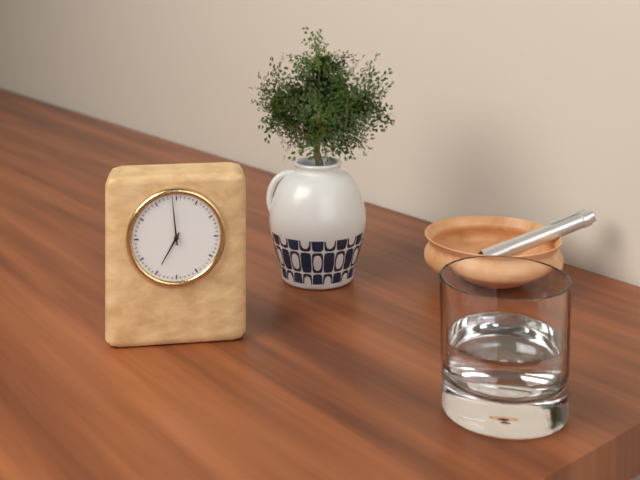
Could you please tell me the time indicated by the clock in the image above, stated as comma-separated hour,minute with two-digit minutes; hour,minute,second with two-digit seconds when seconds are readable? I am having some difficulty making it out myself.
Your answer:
6,59
